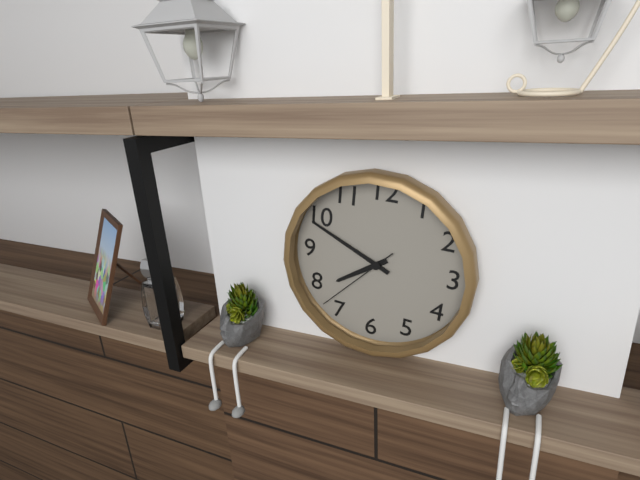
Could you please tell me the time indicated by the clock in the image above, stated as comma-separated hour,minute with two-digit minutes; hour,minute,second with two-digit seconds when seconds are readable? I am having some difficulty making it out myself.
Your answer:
7,49,37
